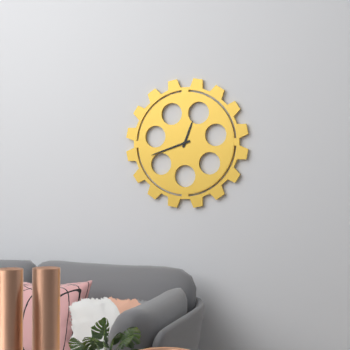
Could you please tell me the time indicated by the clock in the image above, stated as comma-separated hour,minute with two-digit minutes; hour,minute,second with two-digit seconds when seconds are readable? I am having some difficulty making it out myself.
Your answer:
12,42
